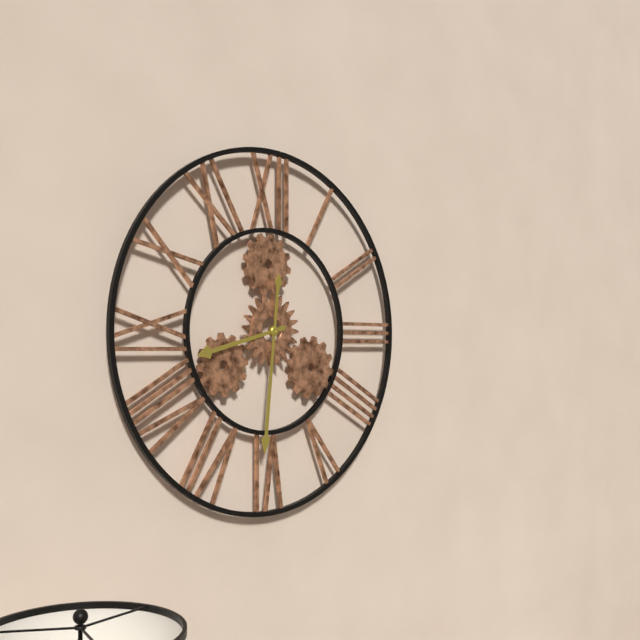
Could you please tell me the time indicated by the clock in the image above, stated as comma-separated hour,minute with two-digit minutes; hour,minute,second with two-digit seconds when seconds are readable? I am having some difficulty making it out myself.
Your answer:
8,31
